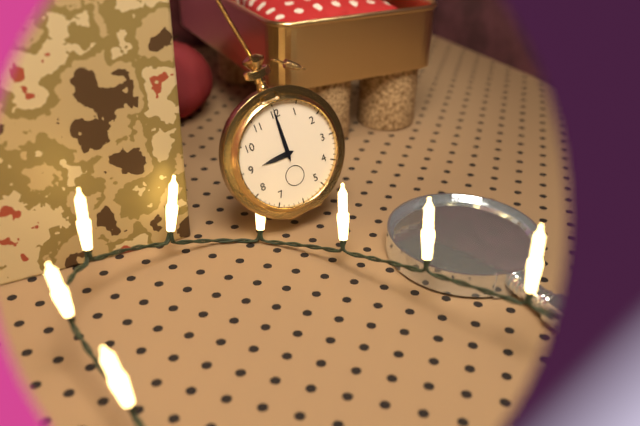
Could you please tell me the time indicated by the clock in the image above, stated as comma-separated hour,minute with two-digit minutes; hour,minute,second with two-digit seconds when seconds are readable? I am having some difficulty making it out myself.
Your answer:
9,00
